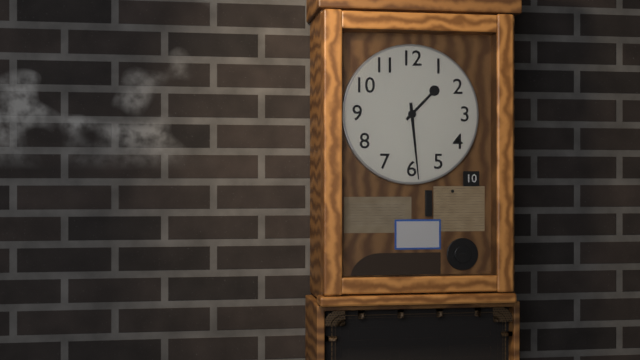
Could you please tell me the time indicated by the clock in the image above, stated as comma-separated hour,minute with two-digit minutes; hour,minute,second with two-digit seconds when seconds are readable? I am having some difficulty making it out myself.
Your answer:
1,29
